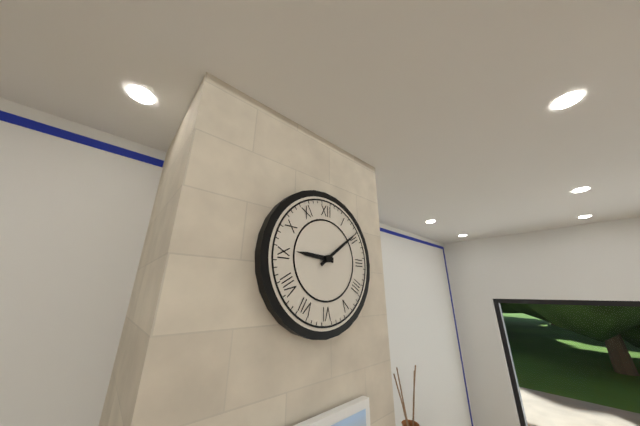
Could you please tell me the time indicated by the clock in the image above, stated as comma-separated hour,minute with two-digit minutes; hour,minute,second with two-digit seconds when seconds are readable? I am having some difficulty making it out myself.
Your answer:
9,09
